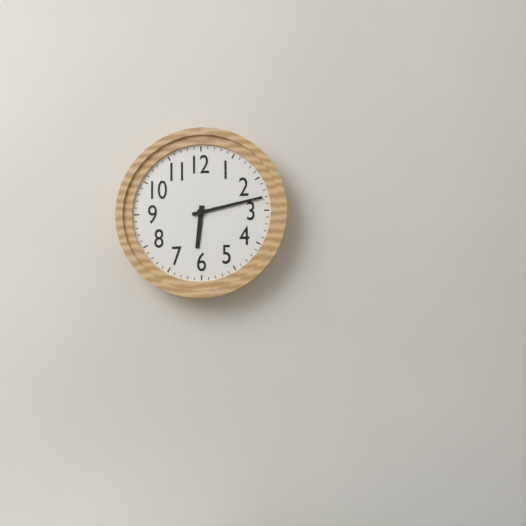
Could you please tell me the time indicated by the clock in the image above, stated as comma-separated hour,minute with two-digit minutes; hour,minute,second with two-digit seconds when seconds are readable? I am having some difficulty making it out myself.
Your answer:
6,13
